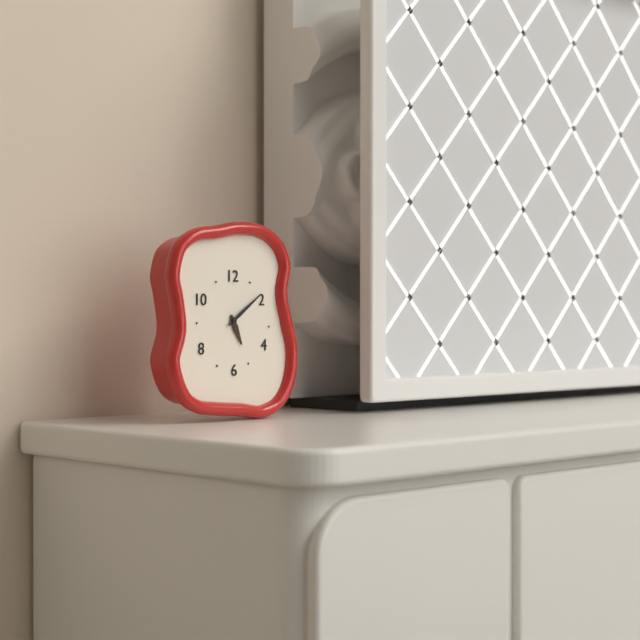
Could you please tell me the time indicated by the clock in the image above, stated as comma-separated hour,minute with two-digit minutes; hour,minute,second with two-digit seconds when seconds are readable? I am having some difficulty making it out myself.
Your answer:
5,09
